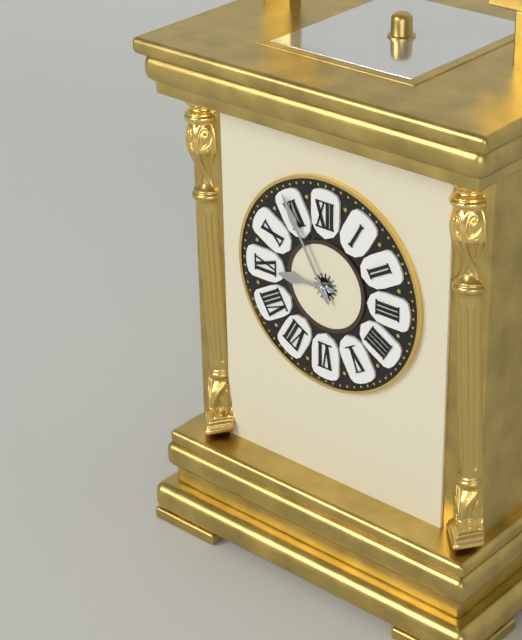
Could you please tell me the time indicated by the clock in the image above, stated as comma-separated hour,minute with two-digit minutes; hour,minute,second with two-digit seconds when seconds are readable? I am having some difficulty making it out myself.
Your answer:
8,55
